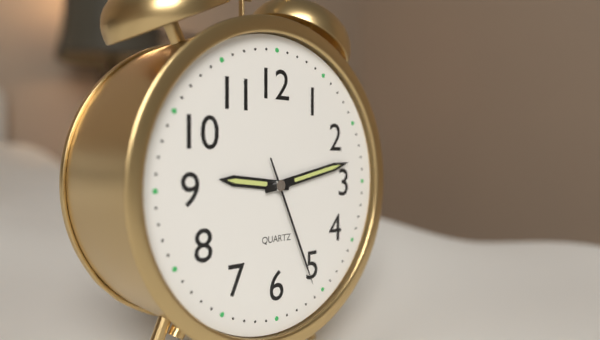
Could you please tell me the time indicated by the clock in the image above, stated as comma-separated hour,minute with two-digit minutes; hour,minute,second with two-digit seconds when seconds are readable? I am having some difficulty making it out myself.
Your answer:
9,13,26
